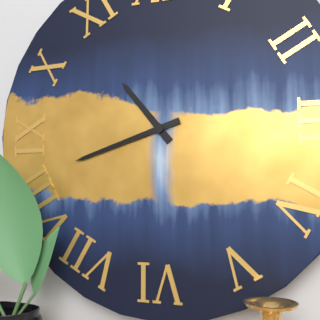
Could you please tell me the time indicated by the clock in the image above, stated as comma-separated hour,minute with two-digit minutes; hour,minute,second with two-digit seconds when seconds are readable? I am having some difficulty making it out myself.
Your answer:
10,42
